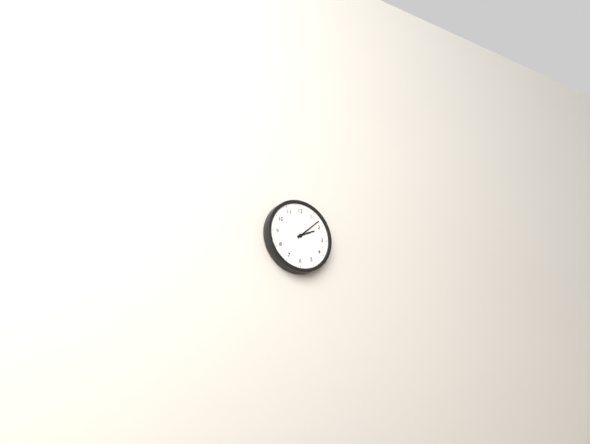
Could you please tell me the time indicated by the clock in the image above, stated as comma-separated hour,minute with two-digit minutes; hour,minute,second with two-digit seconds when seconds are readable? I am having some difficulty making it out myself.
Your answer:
2,08
